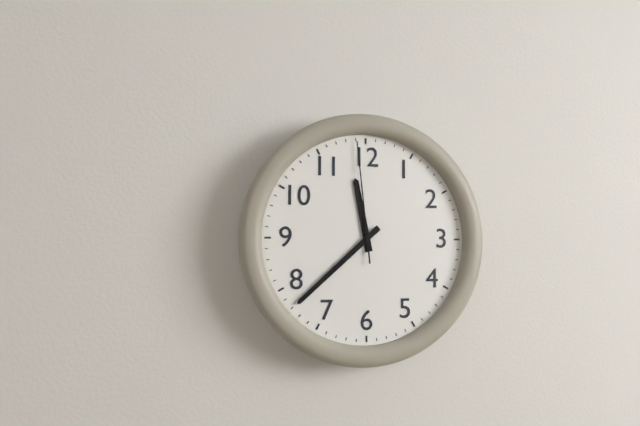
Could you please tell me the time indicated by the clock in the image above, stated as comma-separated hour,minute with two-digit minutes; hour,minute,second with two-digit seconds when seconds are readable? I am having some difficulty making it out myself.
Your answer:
11,38,59
